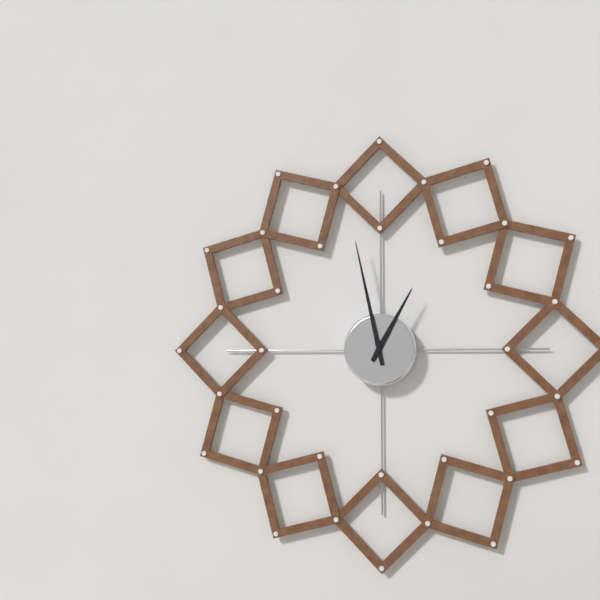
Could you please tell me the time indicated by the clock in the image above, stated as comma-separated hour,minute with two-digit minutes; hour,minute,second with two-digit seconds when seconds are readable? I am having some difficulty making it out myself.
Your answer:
12,58
